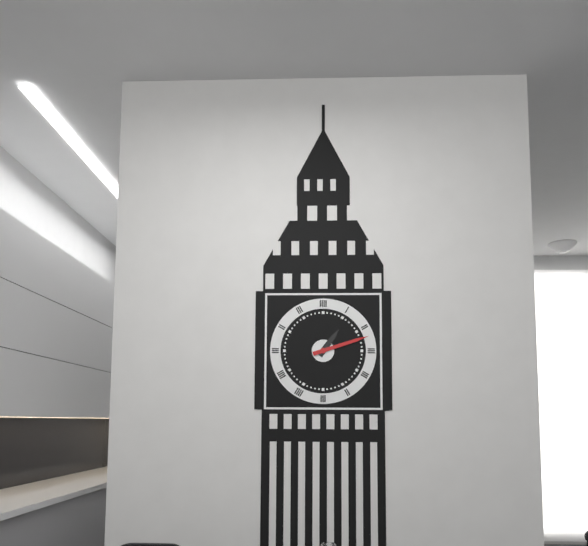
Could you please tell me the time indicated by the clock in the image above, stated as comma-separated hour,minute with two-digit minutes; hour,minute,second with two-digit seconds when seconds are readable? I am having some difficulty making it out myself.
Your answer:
1,12
